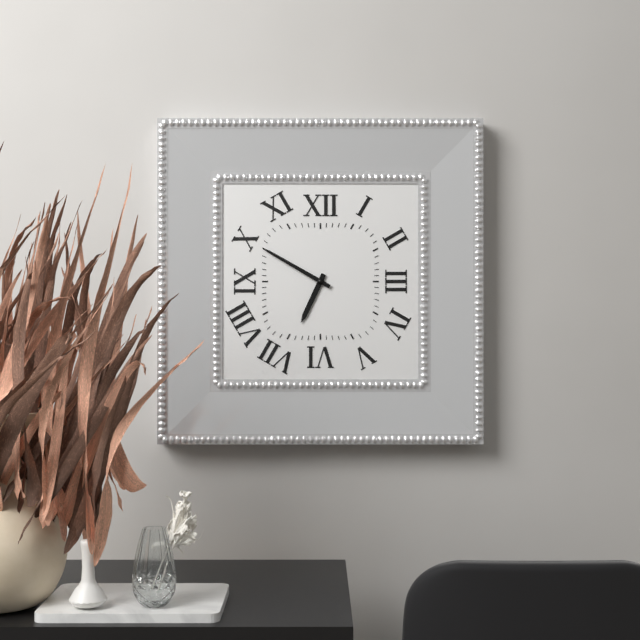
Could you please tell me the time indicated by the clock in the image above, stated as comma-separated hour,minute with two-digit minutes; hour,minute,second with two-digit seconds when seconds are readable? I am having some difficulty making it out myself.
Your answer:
6,50
